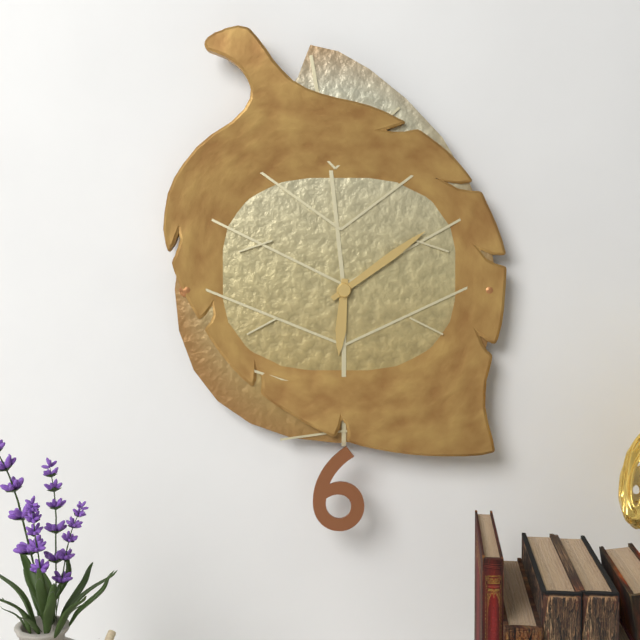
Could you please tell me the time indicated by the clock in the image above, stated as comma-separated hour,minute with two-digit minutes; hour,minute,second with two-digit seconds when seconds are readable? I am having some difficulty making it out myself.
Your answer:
6,09
